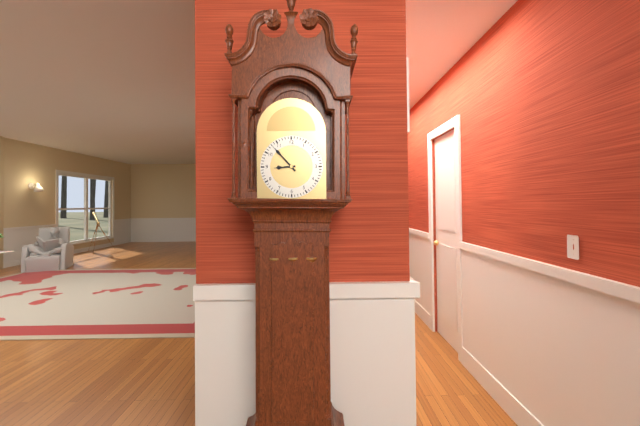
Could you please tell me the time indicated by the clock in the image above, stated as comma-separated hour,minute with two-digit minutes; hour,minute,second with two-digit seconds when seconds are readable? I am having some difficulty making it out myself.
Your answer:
8,53
